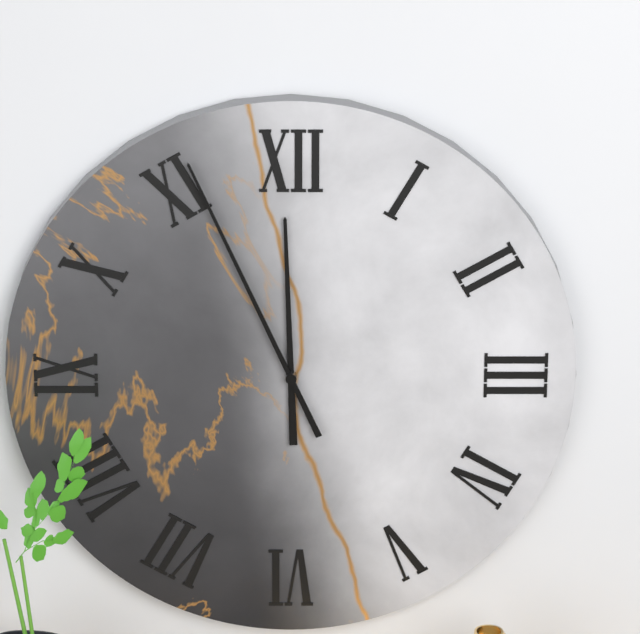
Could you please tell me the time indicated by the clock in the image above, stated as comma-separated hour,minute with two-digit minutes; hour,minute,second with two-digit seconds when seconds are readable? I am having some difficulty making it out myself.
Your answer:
11,56
